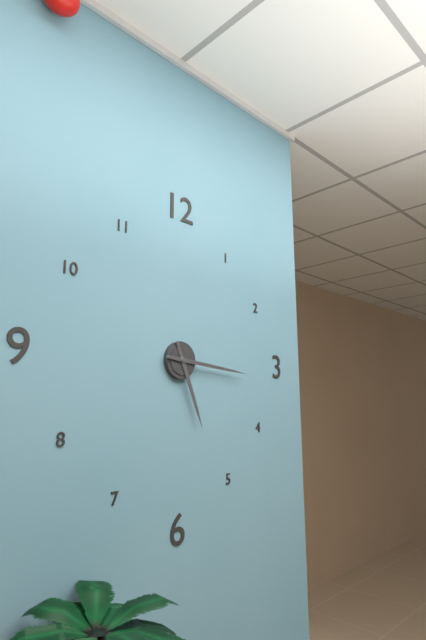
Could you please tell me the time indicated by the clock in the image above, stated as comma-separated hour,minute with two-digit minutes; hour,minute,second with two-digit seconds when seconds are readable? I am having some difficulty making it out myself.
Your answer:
5,16
